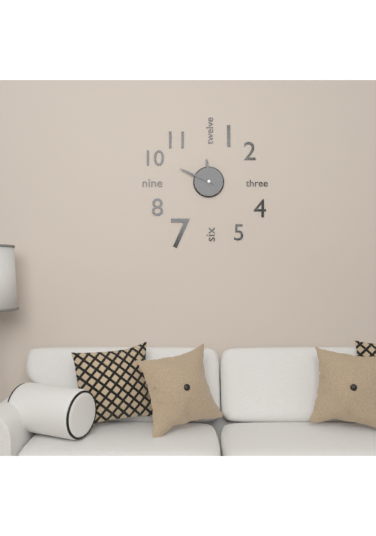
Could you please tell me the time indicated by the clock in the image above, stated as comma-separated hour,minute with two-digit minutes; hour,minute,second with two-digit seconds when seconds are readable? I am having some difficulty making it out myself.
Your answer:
11,49
